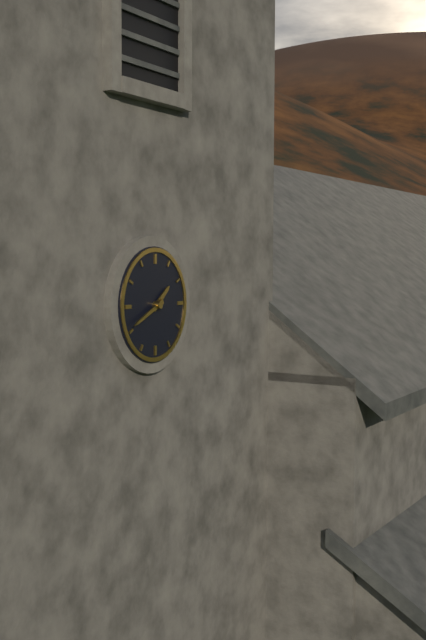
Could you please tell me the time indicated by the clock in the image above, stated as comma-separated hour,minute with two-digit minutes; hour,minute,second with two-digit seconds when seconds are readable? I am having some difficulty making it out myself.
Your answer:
1,41
